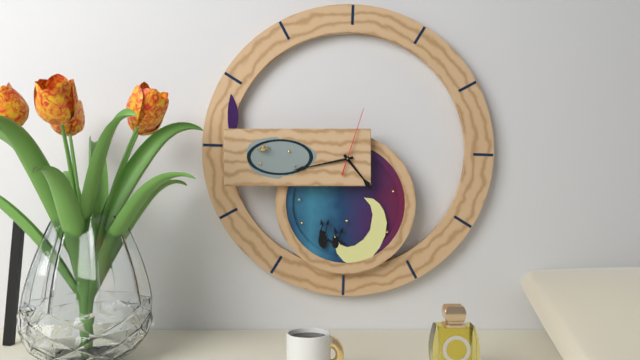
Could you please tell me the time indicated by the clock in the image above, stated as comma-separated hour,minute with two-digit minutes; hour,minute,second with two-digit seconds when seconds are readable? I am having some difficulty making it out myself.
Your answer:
4,43,03
